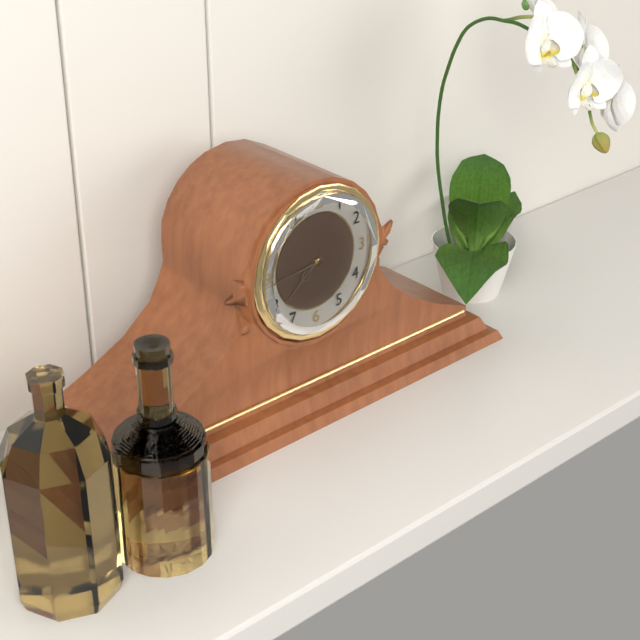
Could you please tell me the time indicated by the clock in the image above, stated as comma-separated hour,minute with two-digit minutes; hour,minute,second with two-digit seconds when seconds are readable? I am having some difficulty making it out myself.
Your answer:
7,44
